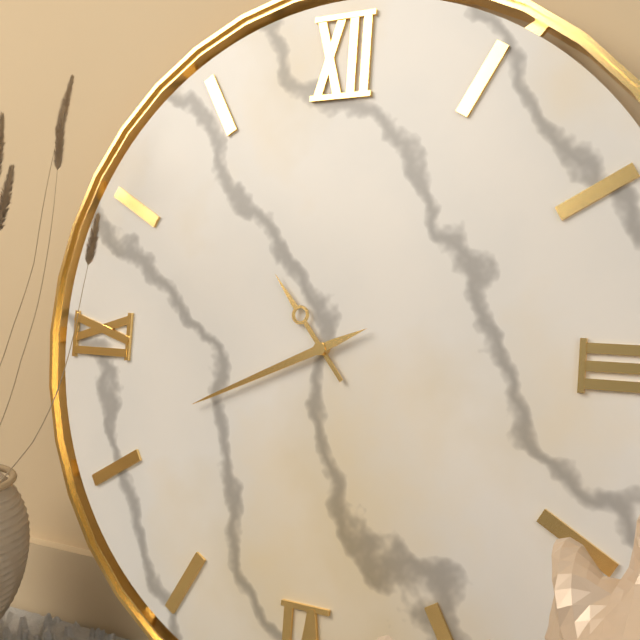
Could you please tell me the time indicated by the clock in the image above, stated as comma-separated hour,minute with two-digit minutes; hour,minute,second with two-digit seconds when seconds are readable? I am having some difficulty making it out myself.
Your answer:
10,41
